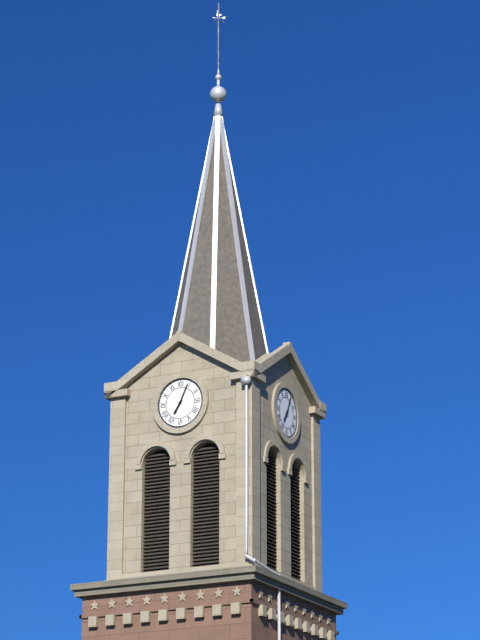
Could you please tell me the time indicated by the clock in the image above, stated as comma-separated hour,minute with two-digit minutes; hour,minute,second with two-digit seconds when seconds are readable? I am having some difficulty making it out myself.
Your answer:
7,04
